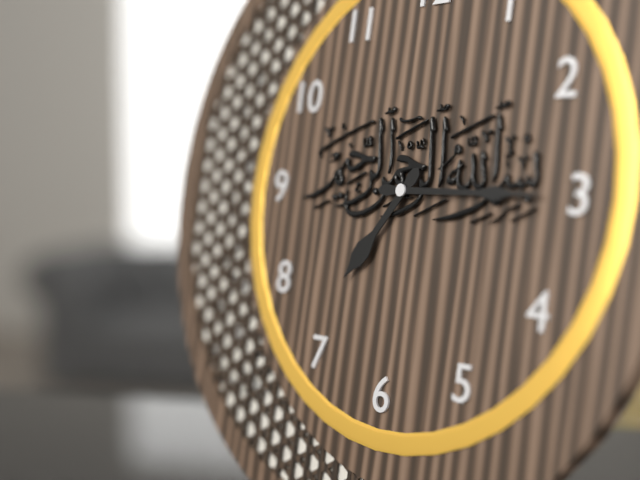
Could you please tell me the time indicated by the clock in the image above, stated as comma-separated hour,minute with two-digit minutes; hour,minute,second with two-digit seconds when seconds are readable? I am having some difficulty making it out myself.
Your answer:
7,15
